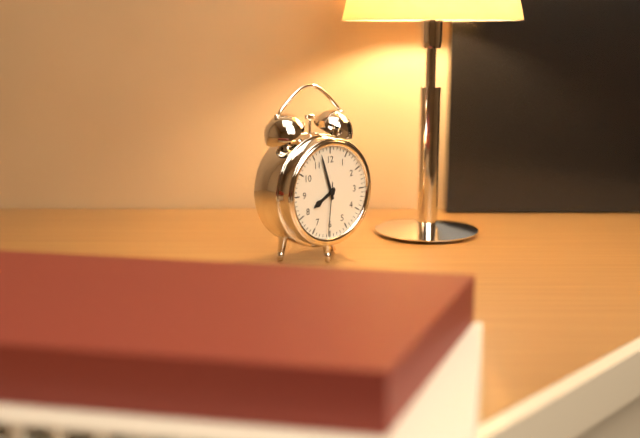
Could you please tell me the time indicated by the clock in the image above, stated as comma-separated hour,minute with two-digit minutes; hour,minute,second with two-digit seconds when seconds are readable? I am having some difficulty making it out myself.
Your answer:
7,57,31
